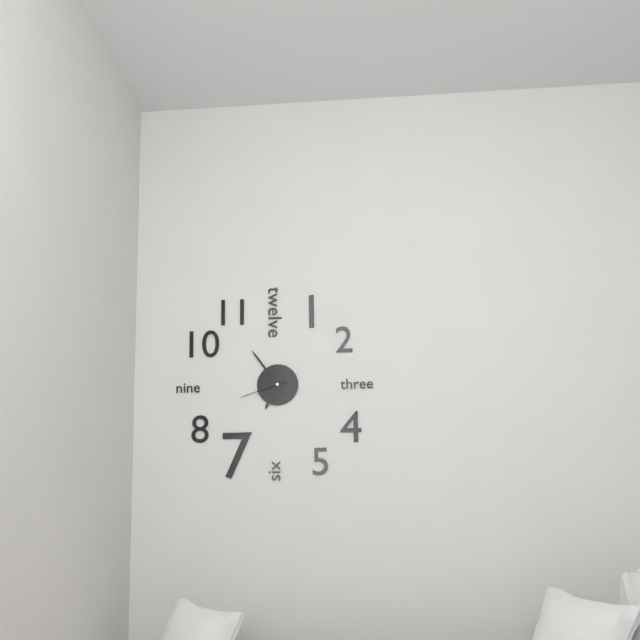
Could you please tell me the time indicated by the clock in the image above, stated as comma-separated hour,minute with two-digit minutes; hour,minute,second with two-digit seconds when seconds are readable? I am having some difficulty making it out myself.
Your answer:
6,54,42
